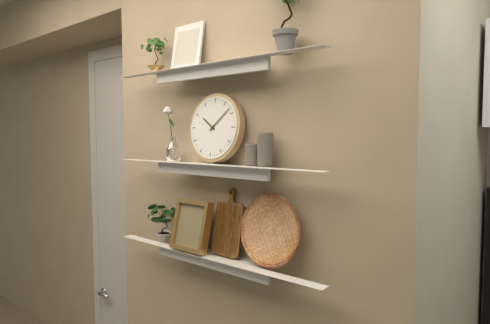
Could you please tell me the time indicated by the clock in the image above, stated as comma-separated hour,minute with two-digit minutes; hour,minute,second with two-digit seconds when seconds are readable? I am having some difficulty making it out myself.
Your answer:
10,08
